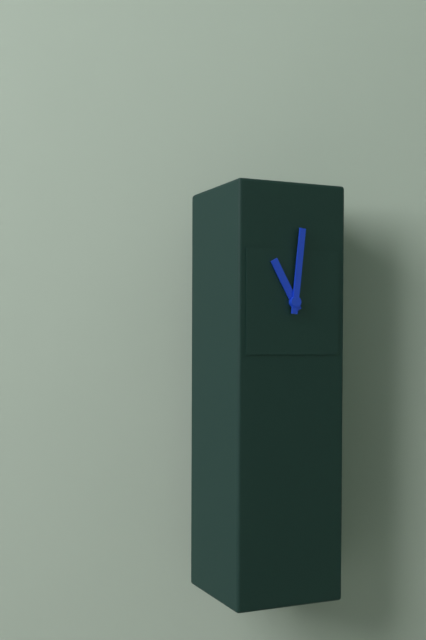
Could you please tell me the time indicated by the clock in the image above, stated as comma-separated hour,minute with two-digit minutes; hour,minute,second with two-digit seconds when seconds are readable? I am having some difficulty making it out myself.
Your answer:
11,01
